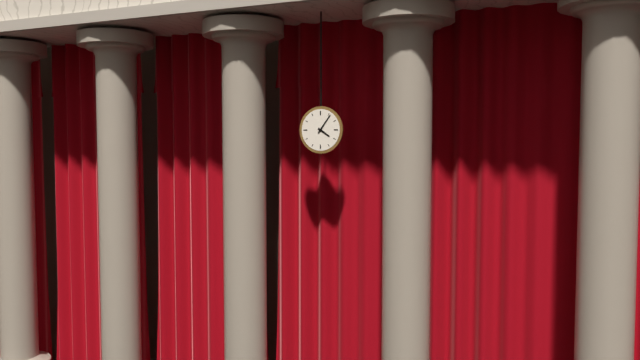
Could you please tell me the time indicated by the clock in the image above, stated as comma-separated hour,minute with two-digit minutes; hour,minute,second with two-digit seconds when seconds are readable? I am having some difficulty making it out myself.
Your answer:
4,06
